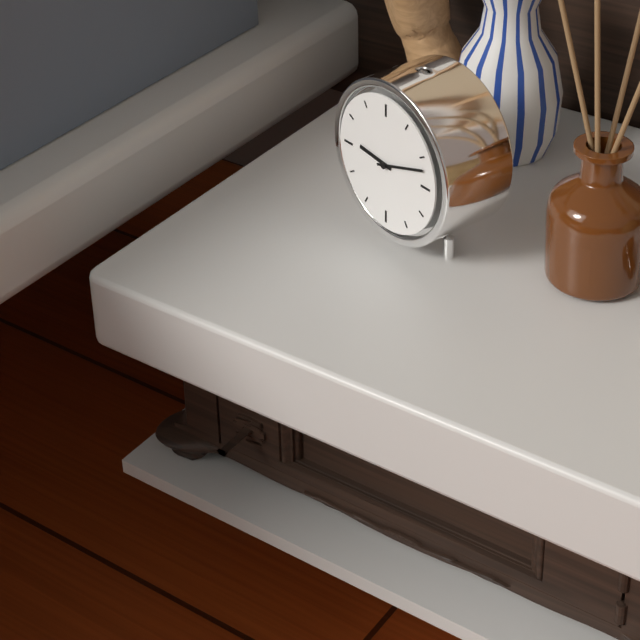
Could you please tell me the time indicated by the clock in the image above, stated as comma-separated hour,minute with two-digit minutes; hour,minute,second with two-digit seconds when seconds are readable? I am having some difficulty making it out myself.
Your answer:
9,12
